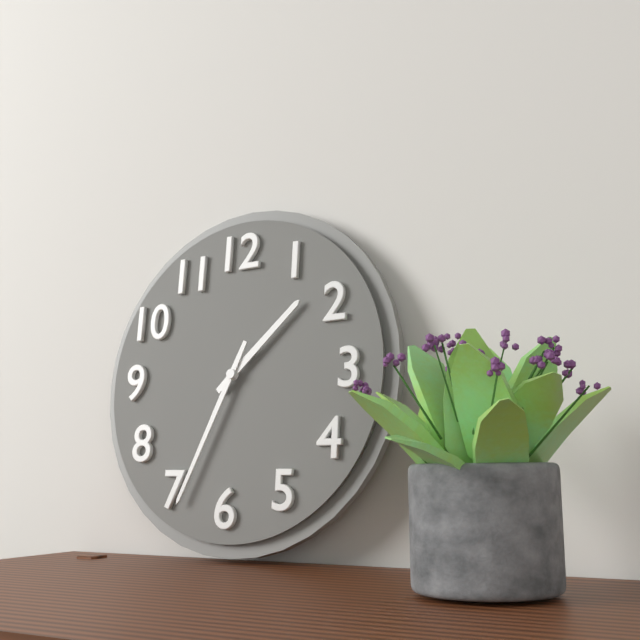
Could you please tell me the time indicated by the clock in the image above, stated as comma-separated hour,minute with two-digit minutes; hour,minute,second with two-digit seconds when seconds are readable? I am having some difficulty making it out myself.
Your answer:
1,34
